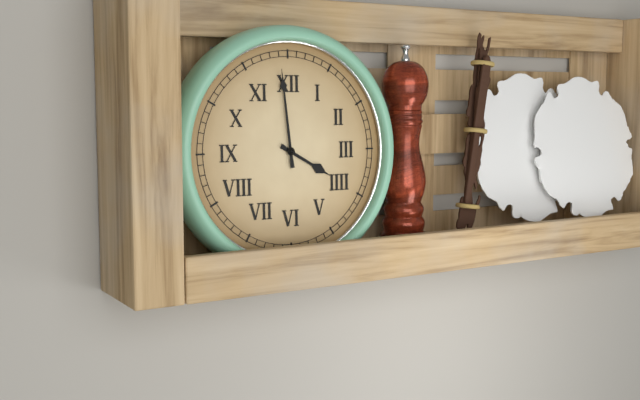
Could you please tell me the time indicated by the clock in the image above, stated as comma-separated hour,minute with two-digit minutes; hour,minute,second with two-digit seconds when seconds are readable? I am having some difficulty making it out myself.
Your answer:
3,59
